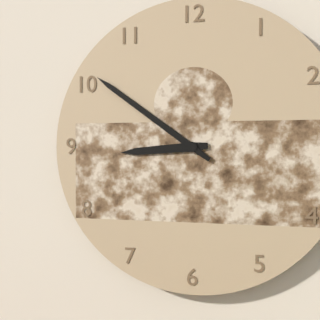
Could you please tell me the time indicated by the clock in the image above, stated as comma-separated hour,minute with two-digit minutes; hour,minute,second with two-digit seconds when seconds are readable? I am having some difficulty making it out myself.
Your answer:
8,51
